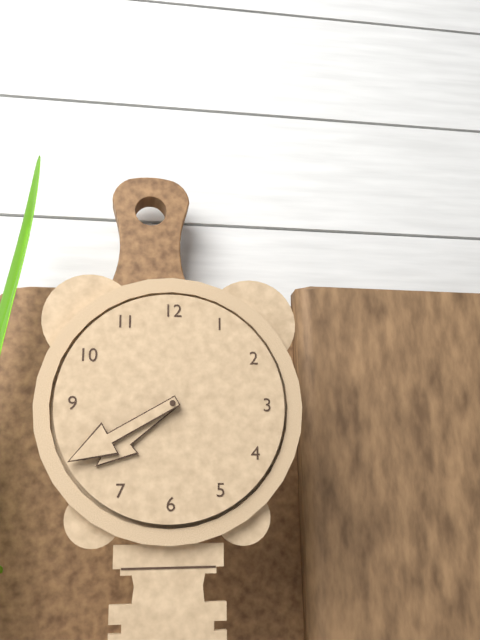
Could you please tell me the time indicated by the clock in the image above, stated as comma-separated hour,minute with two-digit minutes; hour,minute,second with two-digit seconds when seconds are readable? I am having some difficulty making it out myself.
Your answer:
7,40
